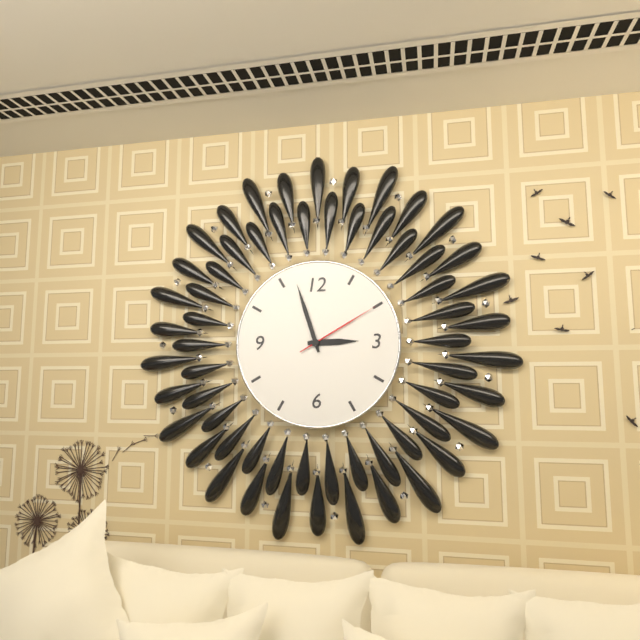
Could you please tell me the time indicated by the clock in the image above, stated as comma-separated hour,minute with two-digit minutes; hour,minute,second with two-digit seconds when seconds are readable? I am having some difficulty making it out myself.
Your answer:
2,57,10
